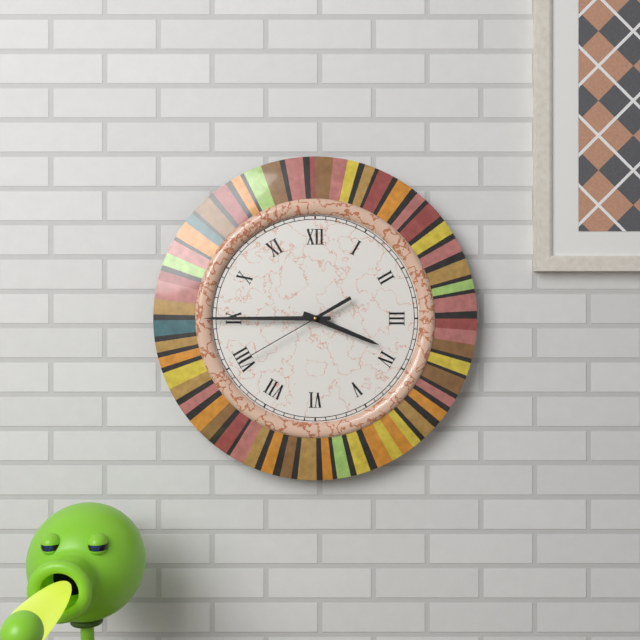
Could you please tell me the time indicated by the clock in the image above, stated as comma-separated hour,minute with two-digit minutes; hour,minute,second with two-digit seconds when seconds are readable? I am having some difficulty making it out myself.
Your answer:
3,45,40
